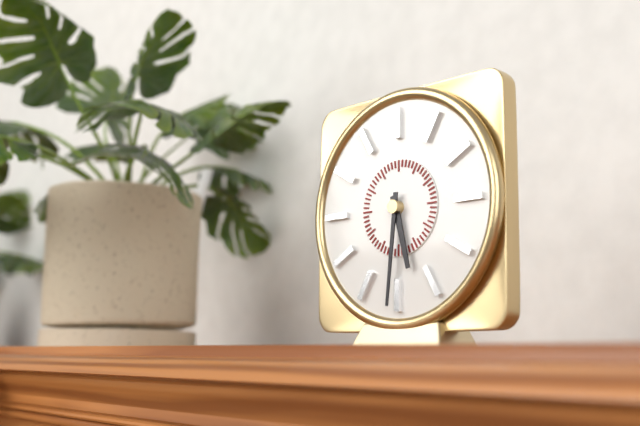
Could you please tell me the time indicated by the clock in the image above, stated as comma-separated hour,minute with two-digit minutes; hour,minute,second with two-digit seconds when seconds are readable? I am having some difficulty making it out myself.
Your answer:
5,31
